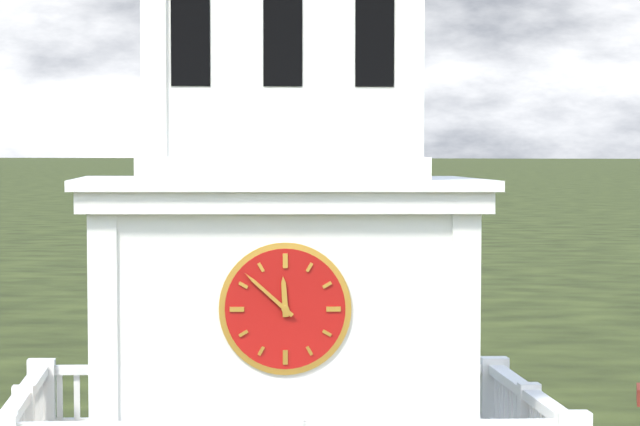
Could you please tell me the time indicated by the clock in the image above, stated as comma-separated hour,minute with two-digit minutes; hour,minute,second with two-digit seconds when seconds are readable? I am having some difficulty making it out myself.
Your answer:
11,52
